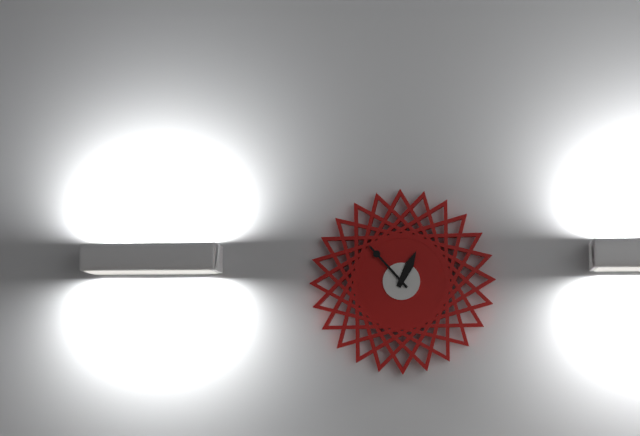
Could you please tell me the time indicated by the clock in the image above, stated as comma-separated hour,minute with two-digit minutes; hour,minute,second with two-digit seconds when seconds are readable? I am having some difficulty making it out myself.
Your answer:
12,53
